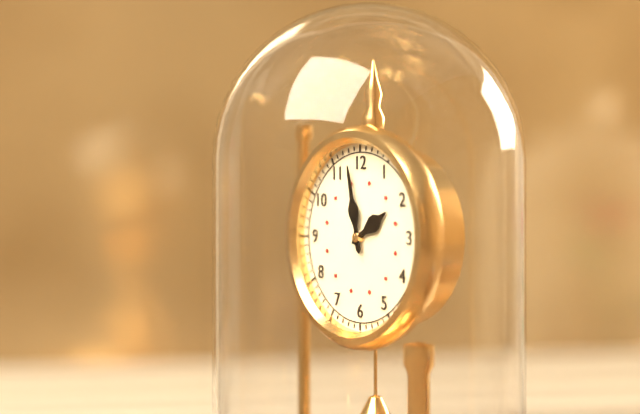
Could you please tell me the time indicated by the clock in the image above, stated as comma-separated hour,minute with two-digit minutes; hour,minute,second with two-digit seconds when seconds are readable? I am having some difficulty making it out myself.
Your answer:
1,58
